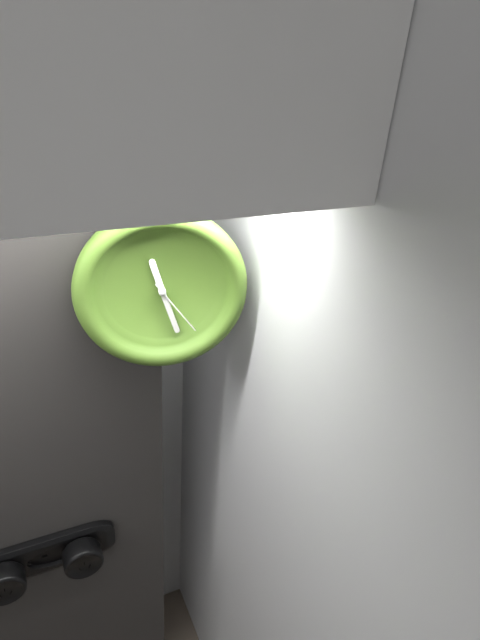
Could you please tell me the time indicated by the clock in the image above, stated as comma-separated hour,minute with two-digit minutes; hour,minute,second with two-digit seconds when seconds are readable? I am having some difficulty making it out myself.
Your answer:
11,27,24
